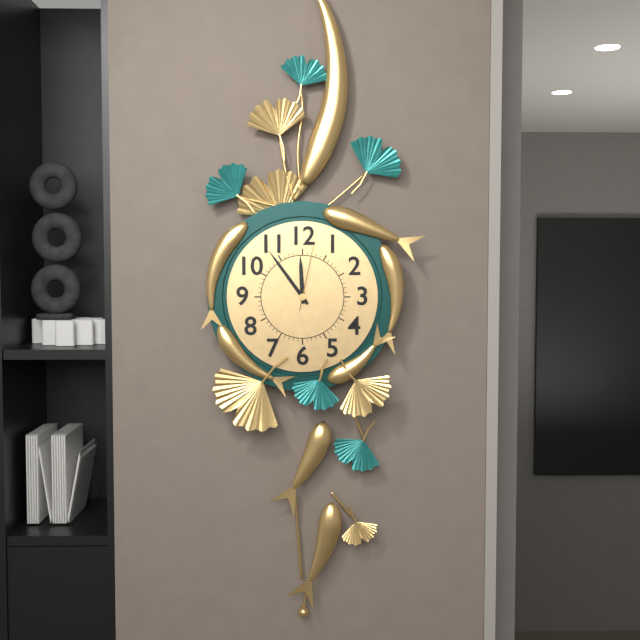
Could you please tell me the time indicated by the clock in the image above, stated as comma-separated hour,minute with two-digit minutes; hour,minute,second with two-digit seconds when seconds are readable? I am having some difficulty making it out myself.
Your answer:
11,54,02
